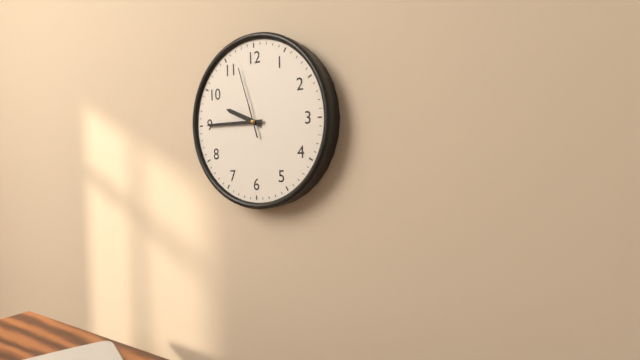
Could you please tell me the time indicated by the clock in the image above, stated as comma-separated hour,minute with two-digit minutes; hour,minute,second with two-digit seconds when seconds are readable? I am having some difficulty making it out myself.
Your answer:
9,45,57
